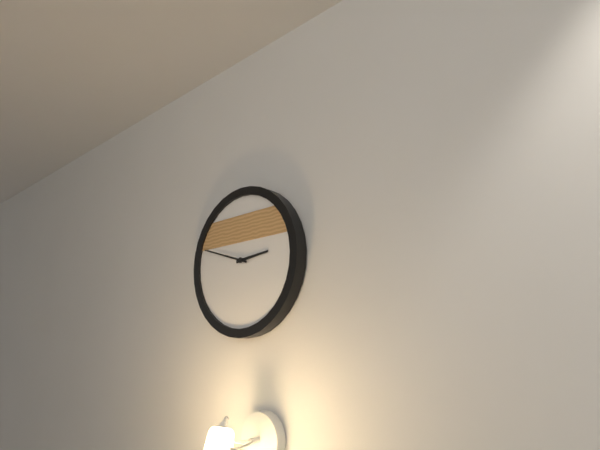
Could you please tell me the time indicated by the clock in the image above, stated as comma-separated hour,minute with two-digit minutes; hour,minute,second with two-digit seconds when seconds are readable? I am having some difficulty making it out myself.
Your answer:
2,48
